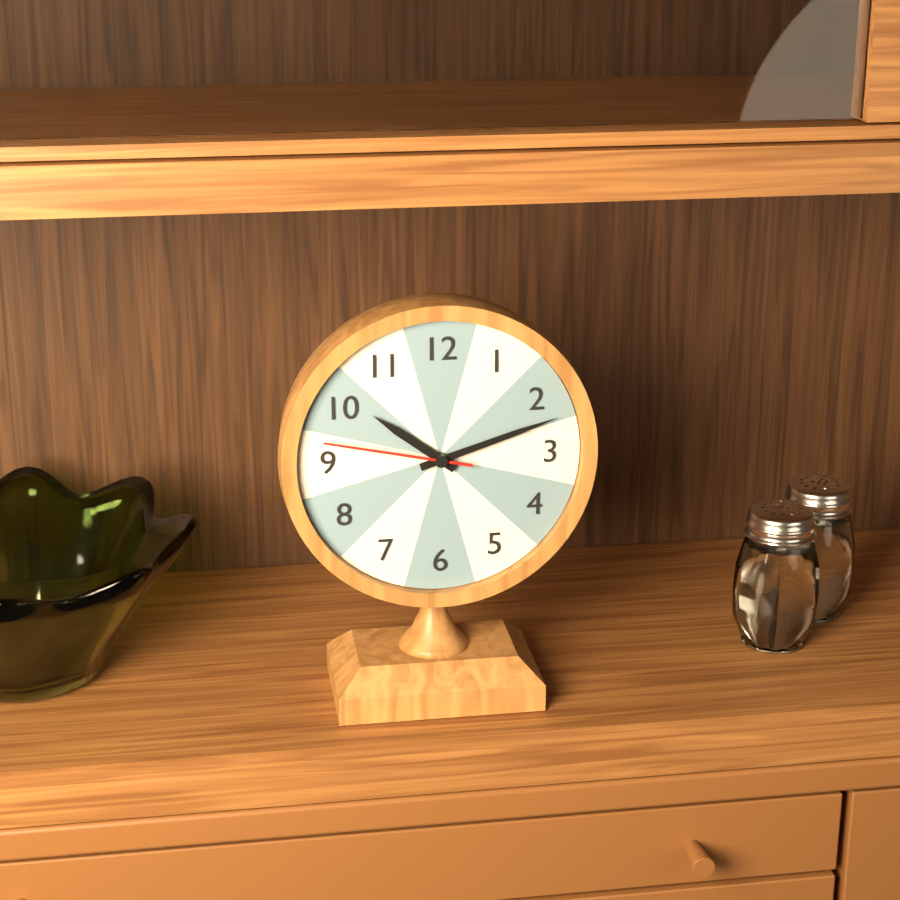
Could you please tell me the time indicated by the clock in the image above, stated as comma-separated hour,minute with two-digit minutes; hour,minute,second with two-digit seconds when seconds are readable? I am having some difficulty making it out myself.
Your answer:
10,12,47
